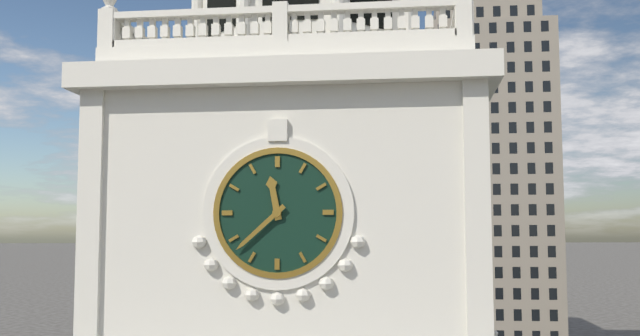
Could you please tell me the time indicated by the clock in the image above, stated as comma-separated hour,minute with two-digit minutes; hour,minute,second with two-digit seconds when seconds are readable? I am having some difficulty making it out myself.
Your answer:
11,38
